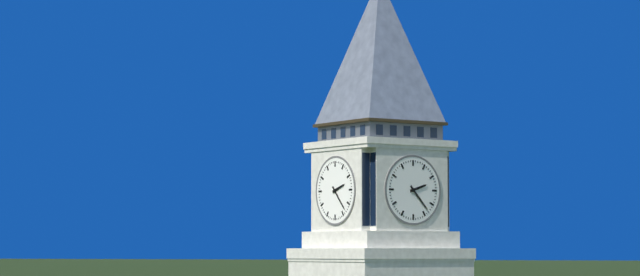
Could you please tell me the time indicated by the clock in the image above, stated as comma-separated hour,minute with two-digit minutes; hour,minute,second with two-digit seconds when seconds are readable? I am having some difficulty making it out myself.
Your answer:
2,23
